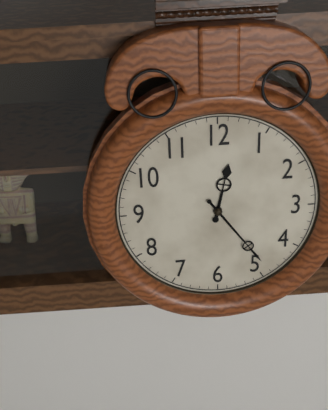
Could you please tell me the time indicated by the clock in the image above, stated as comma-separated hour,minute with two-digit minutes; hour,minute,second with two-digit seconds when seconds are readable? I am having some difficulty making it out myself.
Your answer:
12,24
